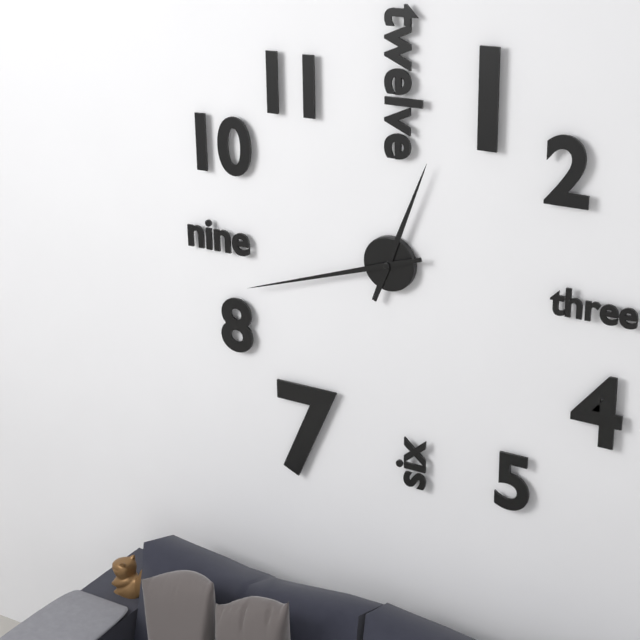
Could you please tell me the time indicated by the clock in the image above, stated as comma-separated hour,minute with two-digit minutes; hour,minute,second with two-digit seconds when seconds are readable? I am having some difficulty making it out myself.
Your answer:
12,42
